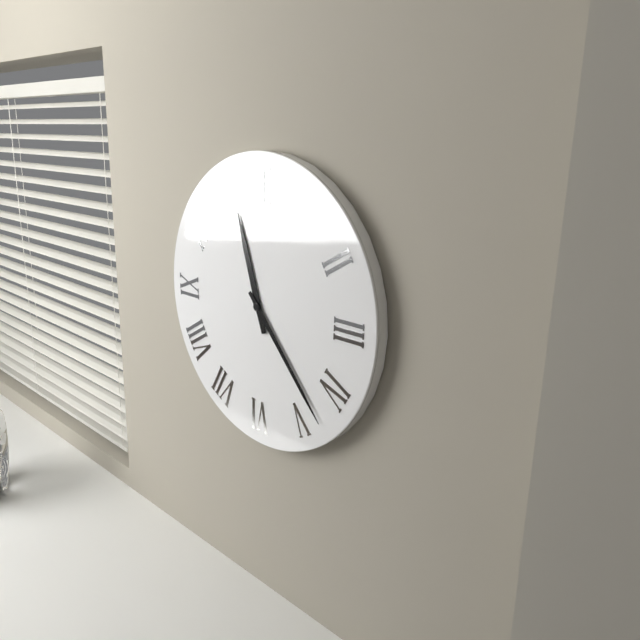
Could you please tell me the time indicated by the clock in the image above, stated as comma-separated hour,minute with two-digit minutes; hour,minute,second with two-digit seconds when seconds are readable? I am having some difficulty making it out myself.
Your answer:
11,23
